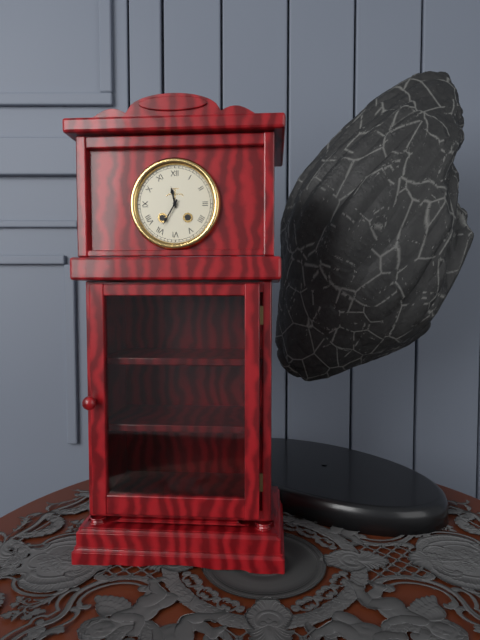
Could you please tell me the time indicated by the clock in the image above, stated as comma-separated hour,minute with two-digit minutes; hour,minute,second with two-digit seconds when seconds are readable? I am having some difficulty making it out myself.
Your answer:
11,35
